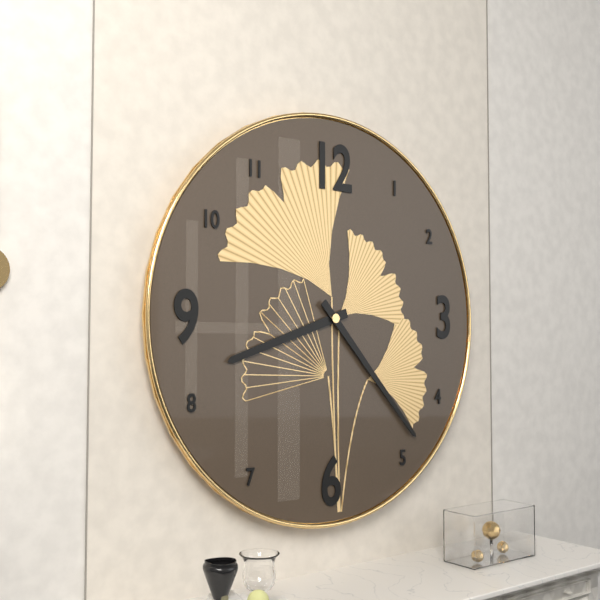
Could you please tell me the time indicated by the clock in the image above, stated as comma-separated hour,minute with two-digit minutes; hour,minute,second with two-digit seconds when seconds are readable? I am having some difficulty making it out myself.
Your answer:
8,23
